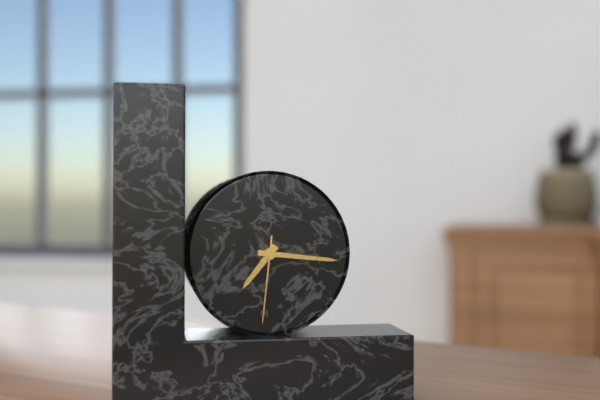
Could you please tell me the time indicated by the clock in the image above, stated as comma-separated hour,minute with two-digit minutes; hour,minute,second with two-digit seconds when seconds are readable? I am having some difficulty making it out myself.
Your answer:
7,16,31
